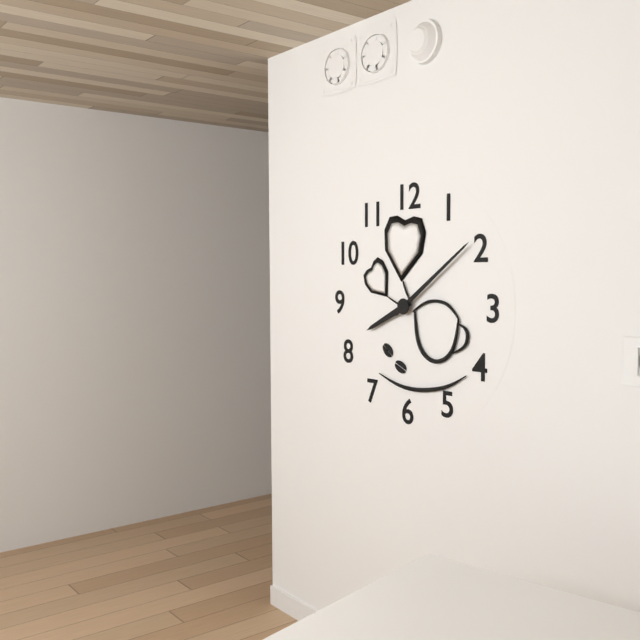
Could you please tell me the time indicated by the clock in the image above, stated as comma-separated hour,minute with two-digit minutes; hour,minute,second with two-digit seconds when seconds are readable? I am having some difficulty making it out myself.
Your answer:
8,09
